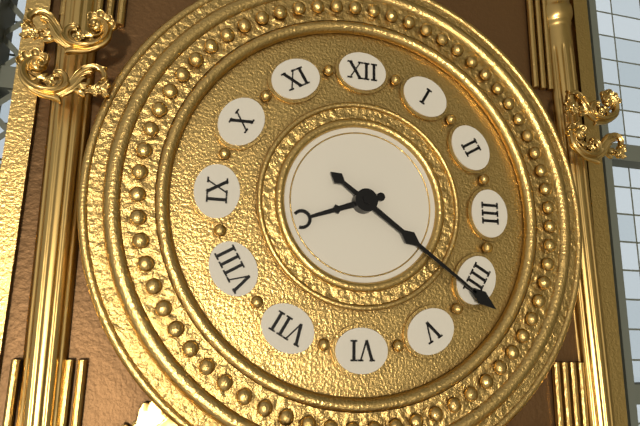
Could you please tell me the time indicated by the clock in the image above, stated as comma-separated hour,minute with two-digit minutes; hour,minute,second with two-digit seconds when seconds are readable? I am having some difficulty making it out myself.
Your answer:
8,21
